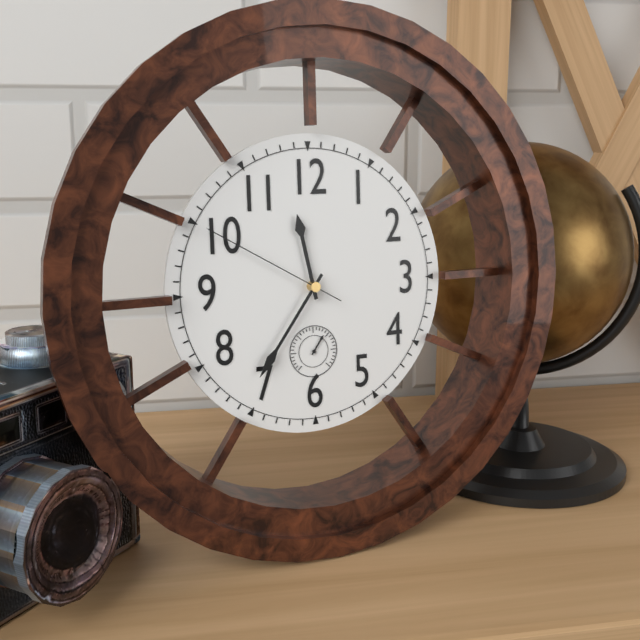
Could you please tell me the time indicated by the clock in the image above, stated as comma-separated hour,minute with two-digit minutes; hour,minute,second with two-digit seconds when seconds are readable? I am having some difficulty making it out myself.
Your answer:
11,36,50
